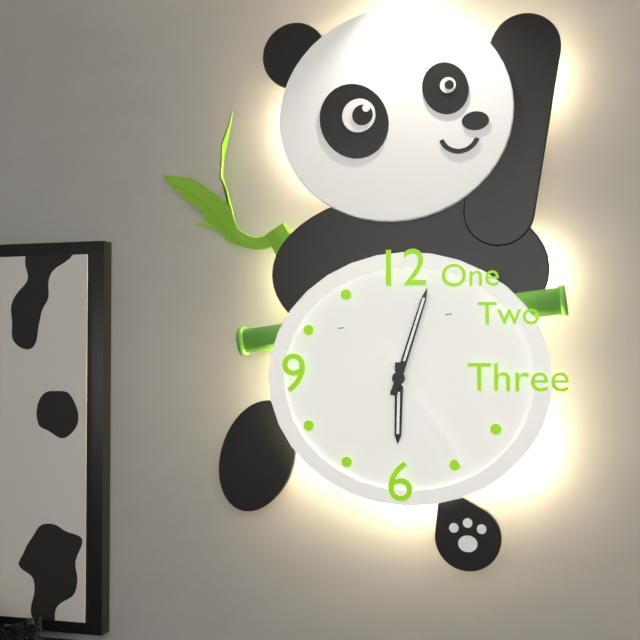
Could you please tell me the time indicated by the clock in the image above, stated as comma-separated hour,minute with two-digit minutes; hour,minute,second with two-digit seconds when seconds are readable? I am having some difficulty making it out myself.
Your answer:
6,03,24
